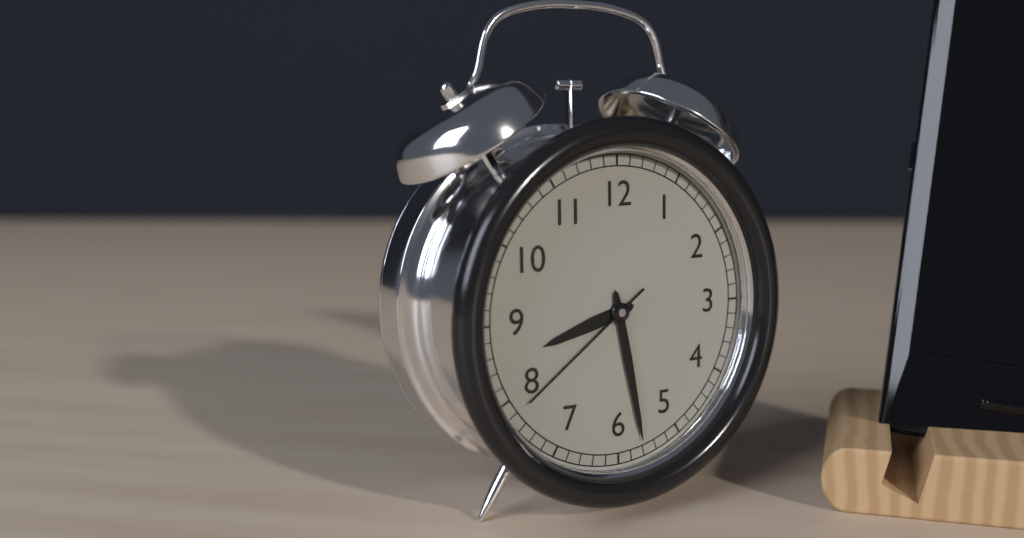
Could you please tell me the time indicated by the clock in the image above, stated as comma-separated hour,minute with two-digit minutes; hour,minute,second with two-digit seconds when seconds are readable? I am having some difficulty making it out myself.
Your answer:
8,28,39
